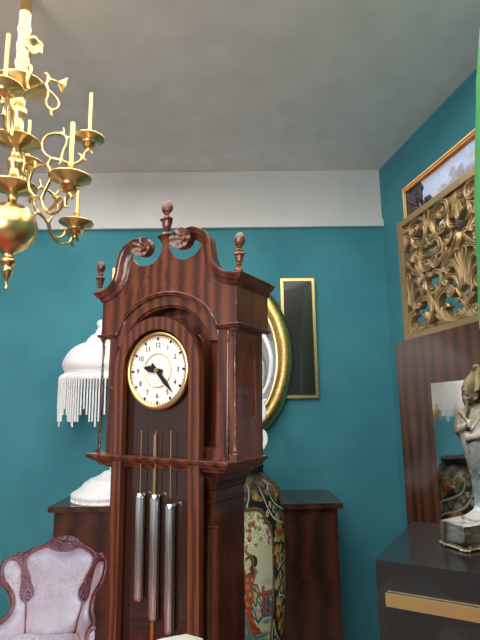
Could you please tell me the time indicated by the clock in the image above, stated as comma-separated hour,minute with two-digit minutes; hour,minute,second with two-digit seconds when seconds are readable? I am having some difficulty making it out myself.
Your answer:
9,23
